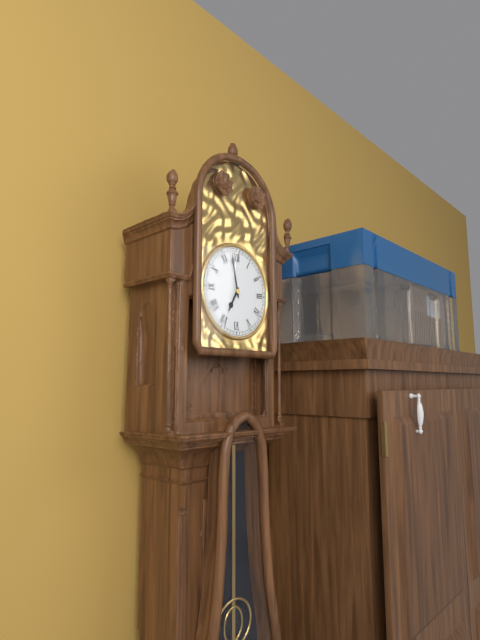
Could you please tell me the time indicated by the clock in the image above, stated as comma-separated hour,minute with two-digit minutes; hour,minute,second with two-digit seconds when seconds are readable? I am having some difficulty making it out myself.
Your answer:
6,58
